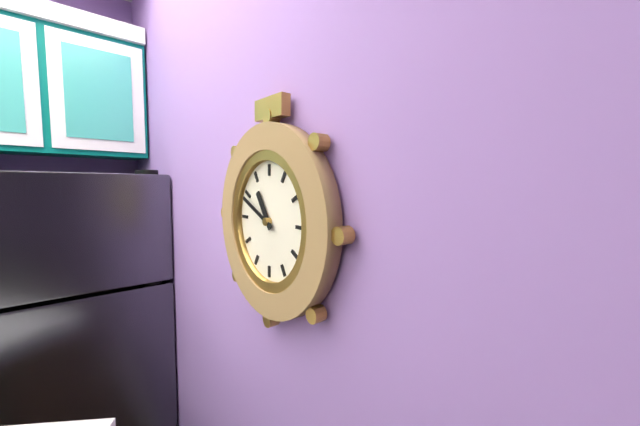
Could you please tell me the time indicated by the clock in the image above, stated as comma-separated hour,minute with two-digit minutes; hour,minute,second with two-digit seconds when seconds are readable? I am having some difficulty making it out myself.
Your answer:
10,49
